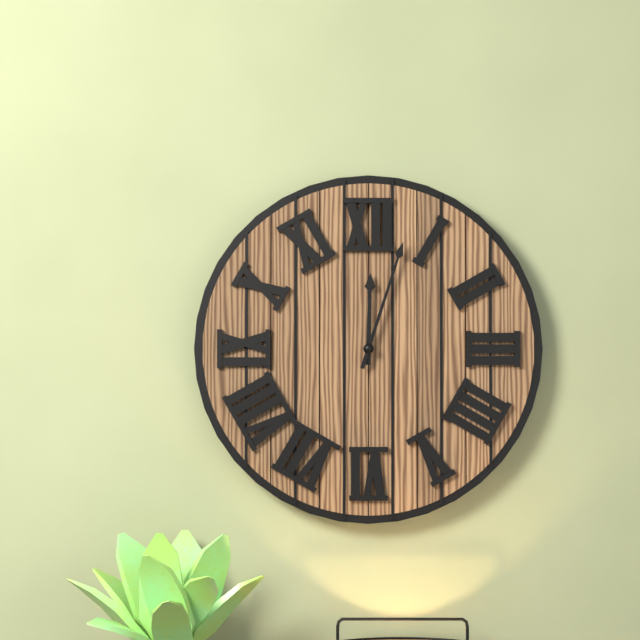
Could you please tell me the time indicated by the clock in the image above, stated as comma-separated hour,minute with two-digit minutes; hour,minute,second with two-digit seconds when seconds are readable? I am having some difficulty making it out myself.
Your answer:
12,03
